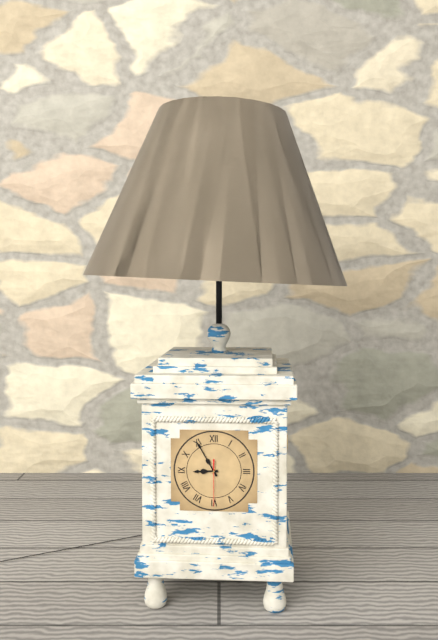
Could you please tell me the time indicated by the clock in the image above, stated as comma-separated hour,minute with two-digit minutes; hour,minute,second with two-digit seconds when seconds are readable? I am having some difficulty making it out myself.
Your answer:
8,55
